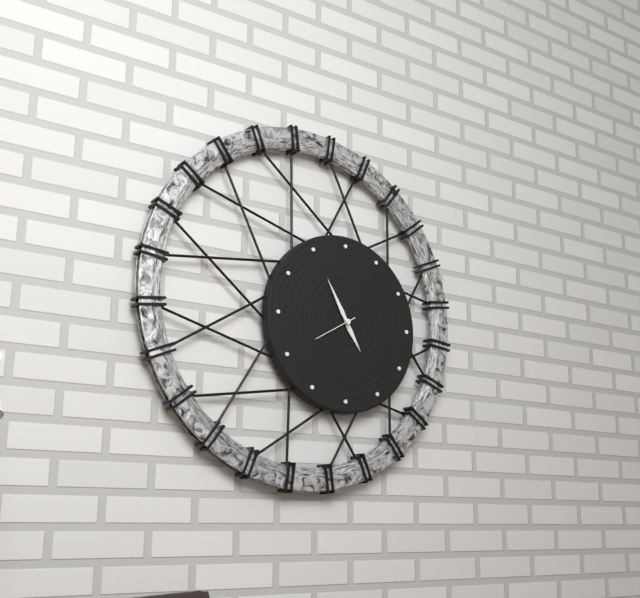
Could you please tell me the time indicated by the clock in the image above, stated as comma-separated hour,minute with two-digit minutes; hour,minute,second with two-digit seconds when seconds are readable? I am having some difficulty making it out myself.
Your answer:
4,55
